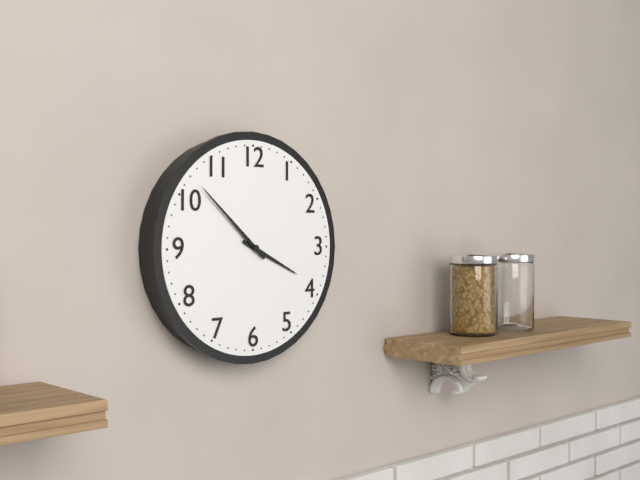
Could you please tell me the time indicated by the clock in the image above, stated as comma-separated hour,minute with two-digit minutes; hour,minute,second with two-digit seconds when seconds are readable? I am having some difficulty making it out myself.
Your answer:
3,52
